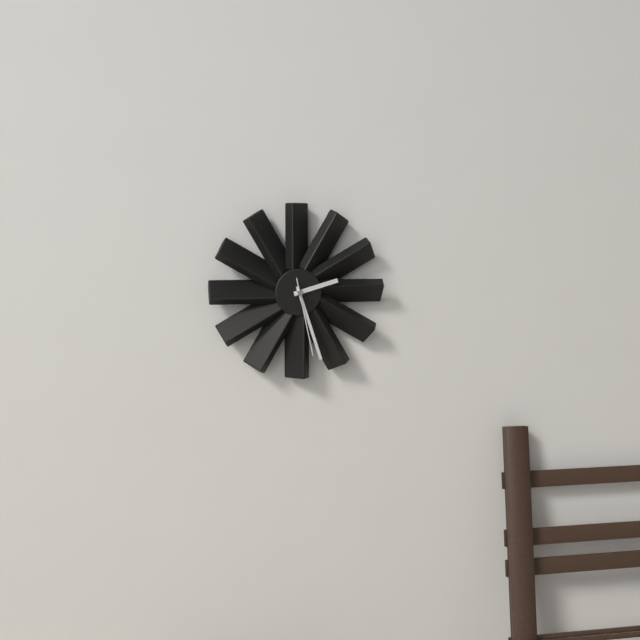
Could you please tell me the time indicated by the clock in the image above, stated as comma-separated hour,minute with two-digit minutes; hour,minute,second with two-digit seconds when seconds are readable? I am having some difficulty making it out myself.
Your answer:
2,27,28
